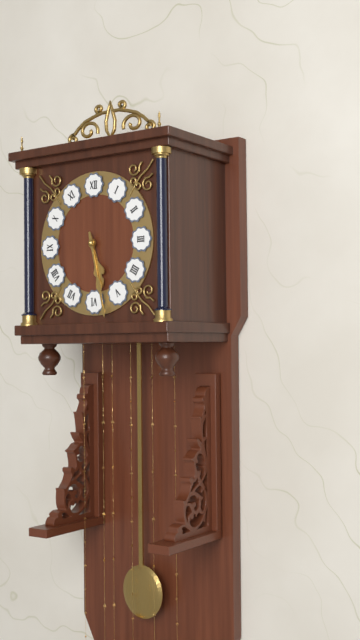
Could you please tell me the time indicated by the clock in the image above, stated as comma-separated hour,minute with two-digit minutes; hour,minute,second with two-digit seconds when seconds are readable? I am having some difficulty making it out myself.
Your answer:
5,28
